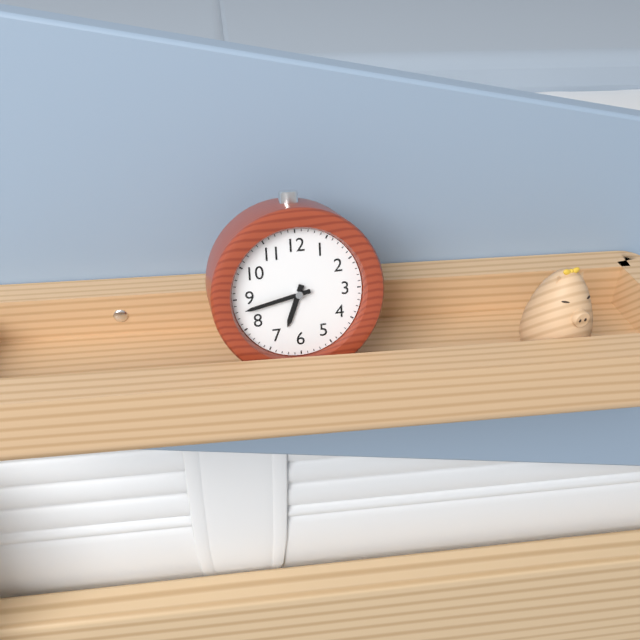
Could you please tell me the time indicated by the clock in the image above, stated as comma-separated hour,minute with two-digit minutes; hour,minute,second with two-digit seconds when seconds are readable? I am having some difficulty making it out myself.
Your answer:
6,43
